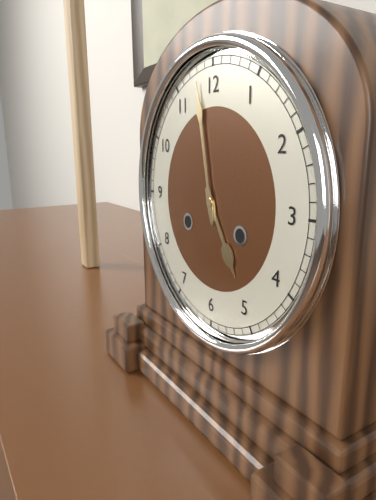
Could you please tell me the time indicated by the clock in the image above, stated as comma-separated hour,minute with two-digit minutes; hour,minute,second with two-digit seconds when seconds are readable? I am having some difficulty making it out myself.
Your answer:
4,58
